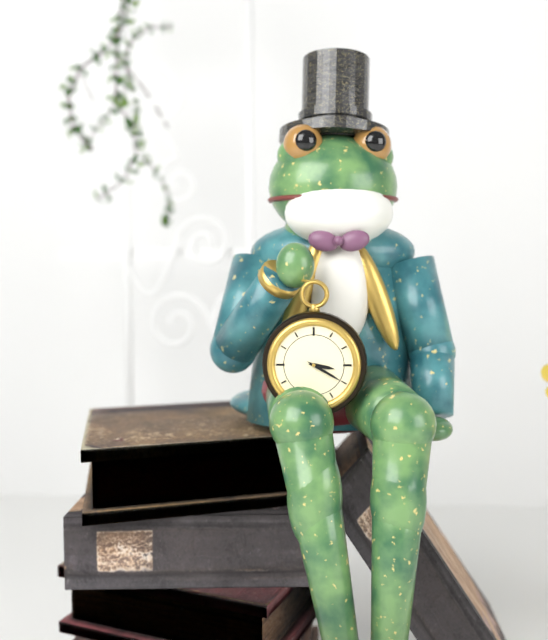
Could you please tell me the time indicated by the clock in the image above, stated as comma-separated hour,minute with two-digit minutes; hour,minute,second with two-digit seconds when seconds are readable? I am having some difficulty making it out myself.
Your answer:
3,20
